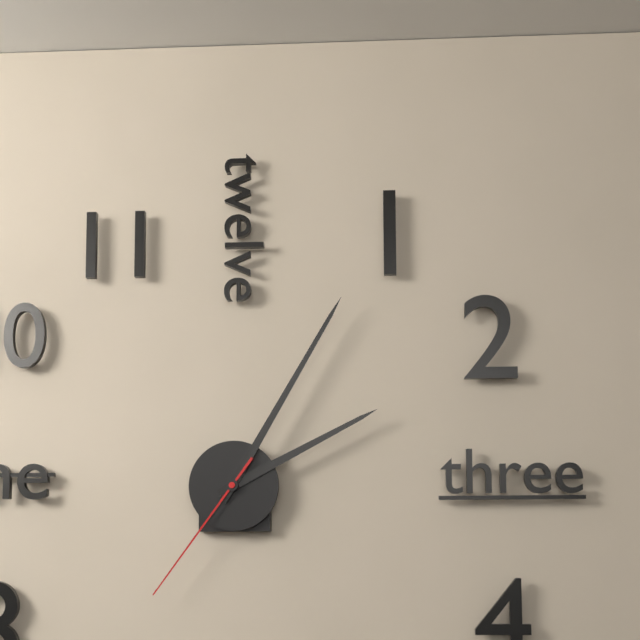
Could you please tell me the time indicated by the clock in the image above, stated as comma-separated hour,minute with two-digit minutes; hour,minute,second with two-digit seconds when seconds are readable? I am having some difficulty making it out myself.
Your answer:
2,05,36
